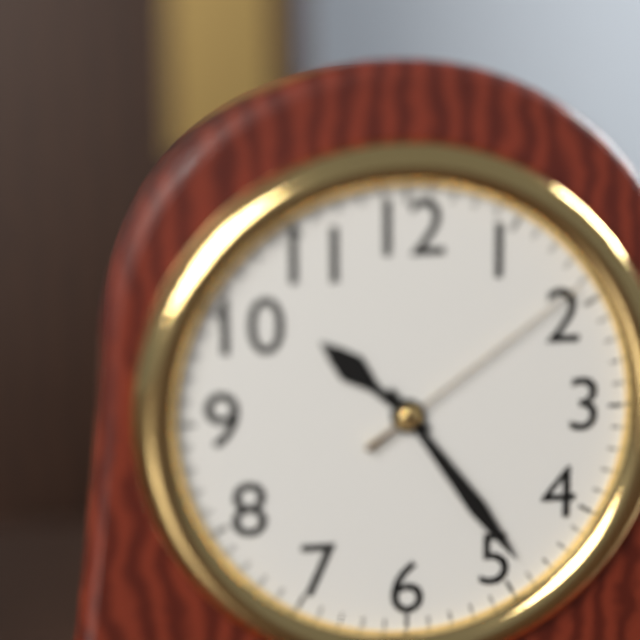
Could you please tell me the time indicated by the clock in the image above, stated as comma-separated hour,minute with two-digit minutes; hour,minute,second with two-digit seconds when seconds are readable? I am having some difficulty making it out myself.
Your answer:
10,24,09
